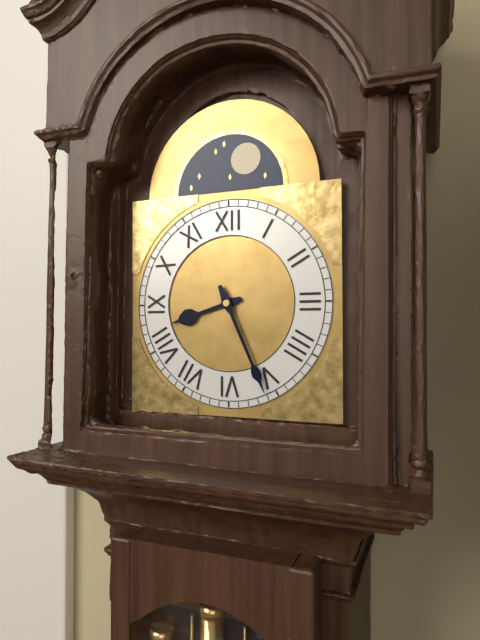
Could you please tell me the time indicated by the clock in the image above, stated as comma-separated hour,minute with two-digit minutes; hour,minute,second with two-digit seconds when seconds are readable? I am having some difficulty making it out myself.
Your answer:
8,26
